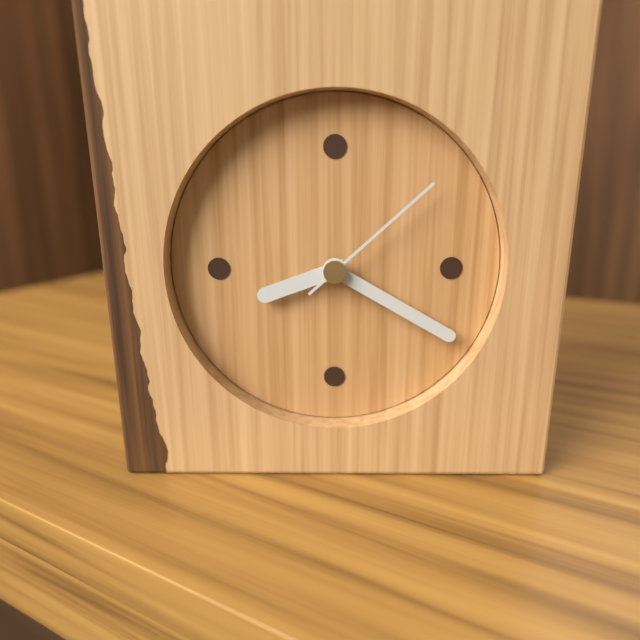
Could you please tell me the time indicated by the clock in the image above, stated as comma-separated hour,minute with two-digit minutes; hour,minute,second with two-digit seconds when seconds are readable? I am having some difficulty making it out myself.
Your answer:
8,20,08
